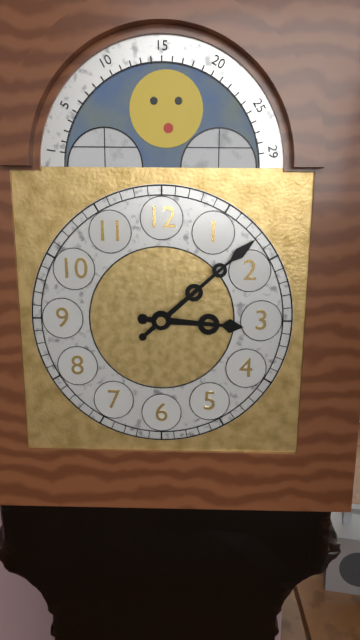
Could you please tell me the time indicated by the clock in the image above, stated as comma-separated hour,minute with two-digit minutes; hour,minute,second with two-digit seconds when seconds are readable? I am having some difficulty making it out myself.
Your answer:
3,08
